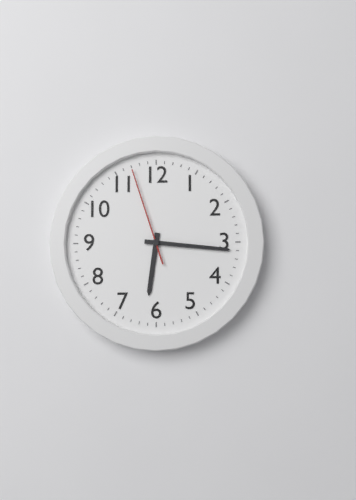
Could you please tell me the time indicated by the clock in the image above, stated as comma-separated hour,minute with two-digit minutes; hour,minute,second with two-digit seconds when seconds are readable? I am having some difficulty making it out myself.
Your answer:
6,16,57
